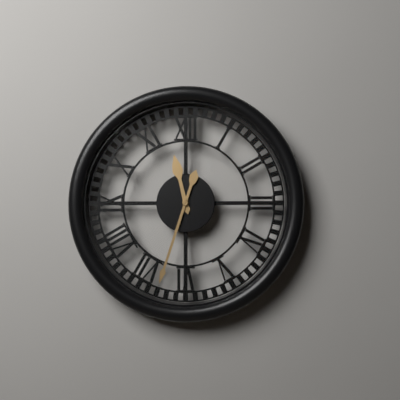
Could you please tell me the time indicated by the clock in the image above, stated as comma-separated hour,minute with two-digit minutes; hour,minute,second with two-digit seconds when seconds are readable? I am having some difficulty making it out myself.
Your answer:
11,33
